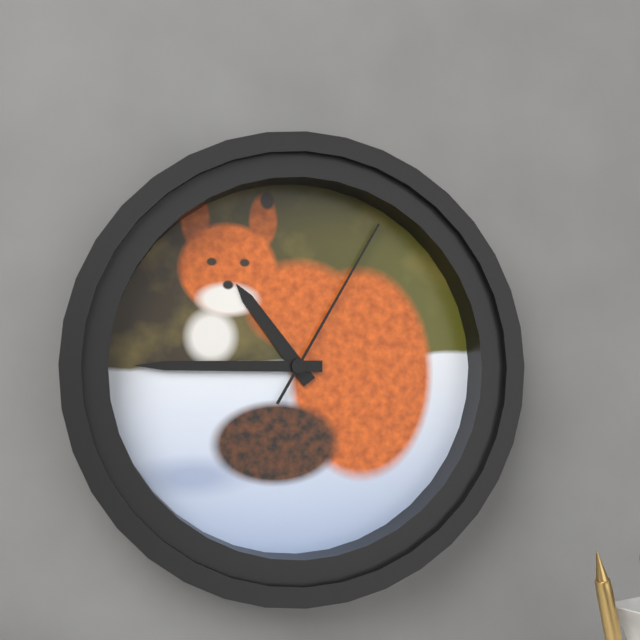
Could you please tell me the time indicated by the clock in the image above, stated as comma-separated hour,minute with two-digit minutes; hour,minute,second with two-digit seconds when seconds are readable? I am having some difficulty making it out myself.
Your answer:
10,45,05
